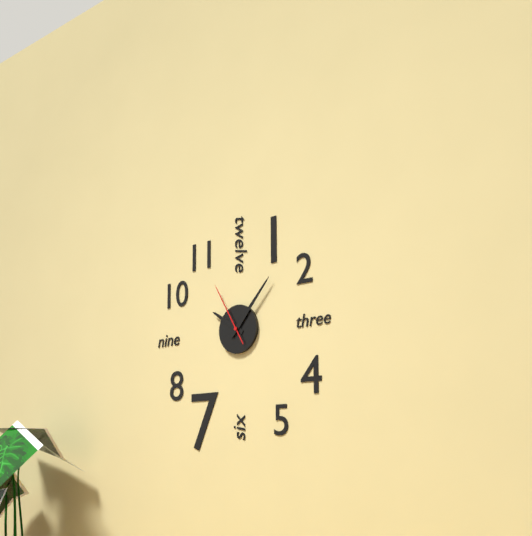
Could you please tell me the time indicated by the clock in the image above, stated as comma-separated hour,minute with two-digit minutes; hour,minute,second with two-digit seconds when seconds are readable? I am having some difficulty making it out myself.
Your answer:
10,07,55
